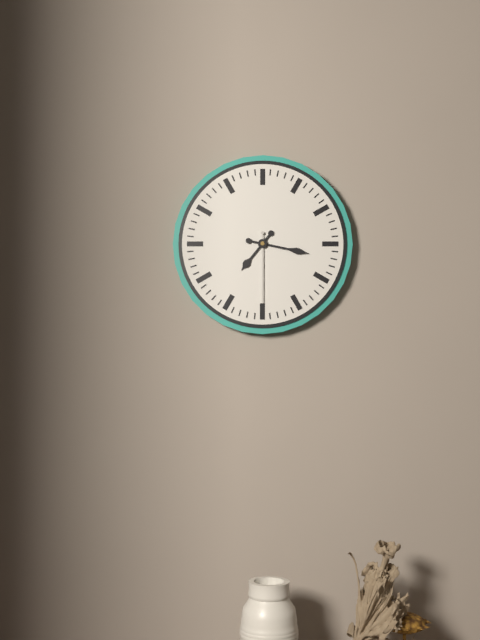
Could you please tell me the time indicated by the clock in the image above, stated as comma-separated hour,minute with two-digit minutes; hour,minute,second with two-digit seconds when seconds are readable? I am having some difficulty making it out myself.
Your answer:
7,17,30
